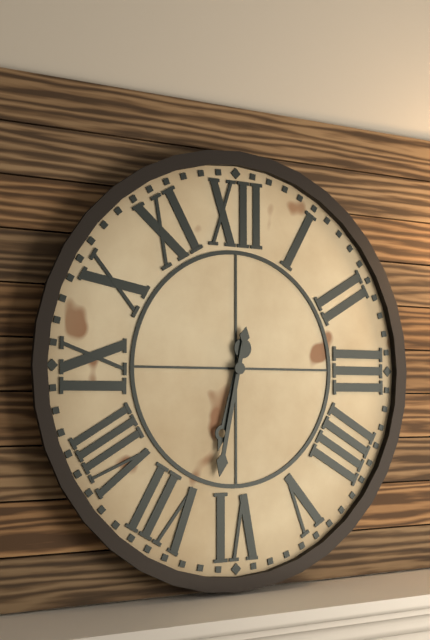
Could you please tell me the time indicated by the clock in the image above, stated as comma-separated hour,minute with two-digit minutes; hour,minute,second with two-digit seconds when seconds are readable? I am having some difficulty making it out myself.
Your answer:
6,32
